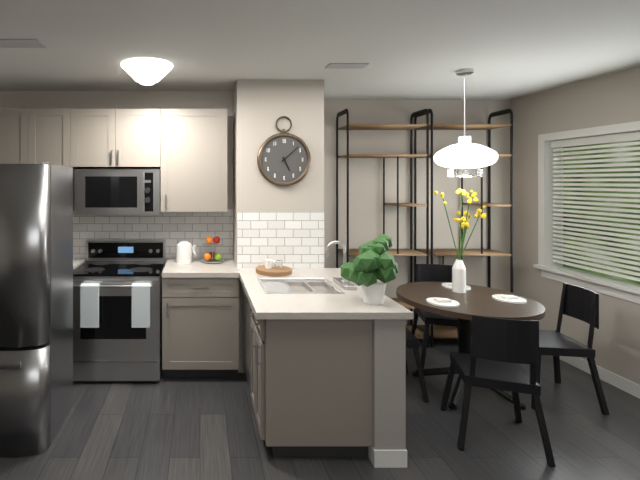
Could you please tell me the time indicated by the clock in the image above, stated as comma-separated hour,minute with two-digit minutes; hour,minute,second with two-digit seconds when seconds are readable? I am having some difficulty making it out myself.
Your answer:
5,08
